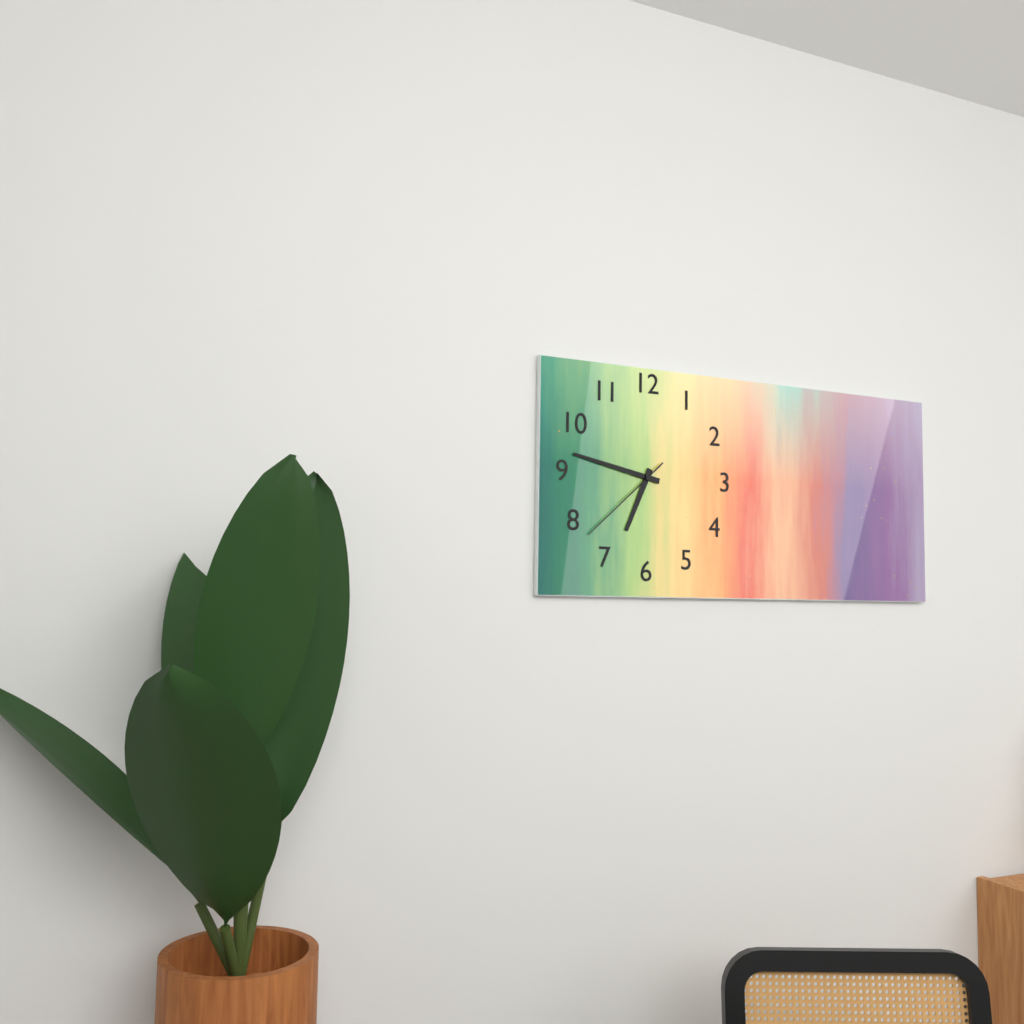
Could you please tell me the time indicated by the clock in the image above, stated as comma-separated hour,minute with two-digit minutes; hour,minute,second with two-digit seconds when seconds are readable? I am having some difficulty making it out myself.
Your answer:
6,47,38
